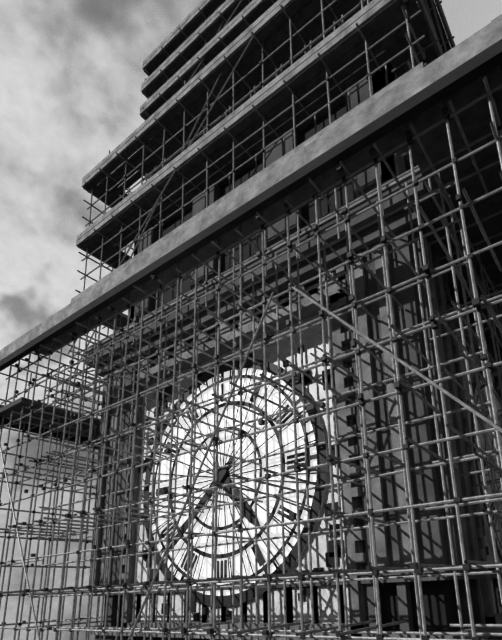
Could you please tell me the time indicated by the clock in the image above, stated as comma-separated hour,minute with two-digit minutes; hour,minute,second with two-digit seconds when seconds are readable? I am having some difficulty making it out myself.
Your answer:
4,38
